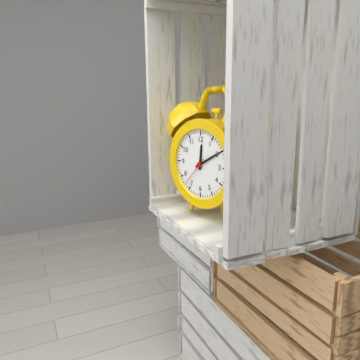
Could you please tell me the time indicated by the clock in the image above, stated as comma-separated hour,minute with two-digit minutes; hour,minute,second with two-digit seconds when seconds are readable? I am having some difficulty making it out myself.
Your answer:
12,10
